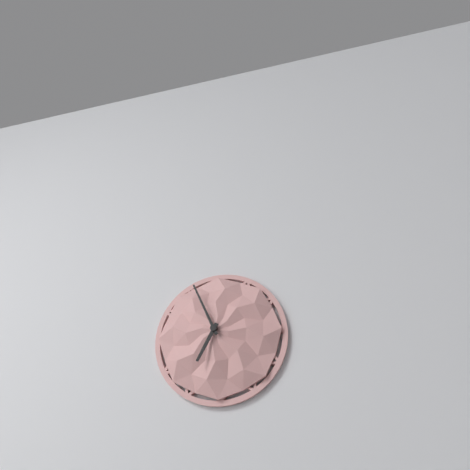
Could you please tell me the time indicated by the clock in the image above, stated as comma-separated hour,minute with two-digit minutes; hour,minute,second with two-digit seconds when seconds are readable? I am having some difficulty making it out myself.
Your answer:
6,56
